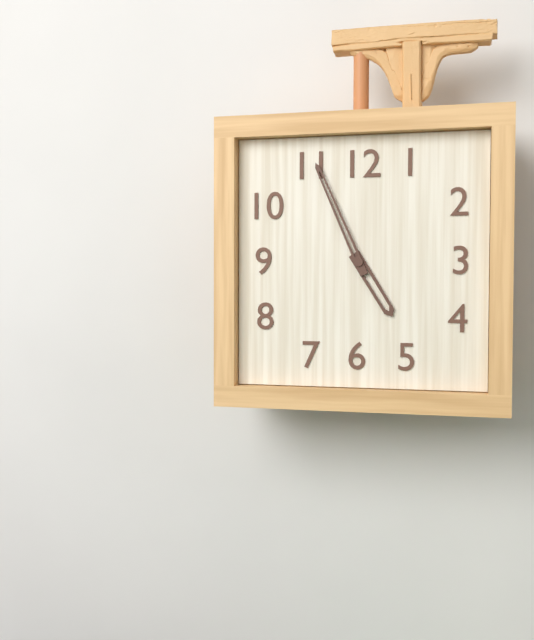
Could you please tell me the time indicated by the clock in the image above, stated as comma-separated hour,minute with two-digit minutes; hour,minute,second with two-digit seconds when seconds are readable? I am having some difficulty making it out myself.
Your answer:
4,56
